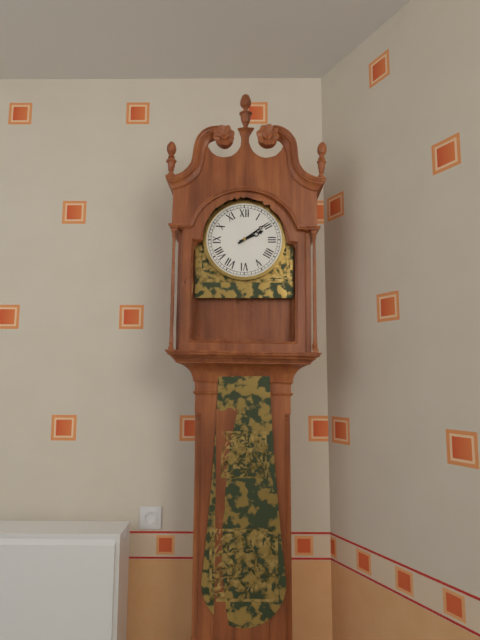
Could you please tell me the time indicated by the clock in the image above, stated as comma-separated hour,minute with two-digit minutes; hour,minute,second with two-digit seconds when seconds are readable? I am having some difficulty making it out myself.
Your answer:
2,09
